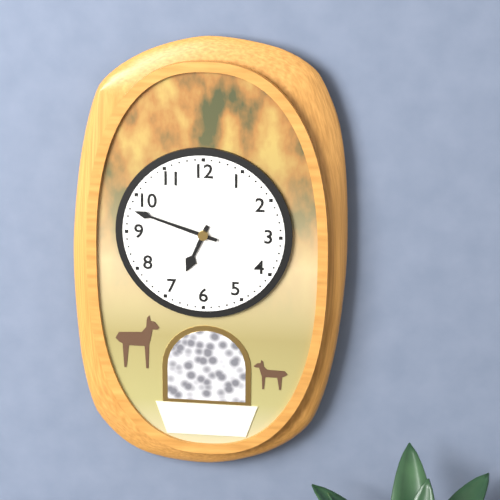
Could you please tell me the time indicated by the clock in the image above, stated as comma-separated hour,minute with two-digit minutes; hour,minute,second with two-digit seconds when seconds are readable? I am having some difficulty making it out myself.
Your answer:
6,48
